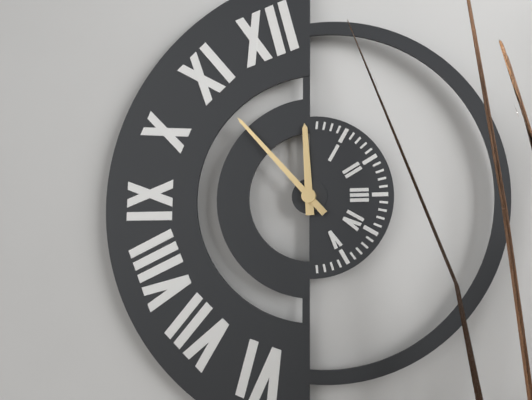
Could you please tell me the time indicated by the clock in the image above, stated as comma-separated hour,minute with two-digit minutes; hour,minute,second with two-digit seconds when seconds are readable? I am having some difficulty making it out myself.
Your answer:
11,53
